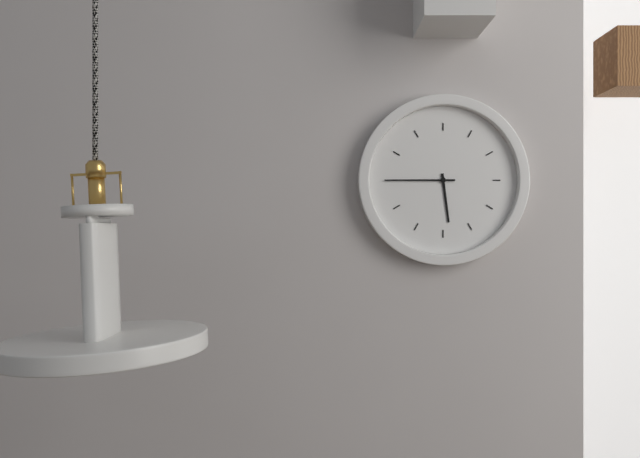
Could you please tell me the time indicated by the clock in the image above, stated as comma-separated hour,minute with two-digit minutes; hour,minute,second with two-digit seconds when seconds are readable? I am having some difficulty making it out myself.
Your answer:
5,45
